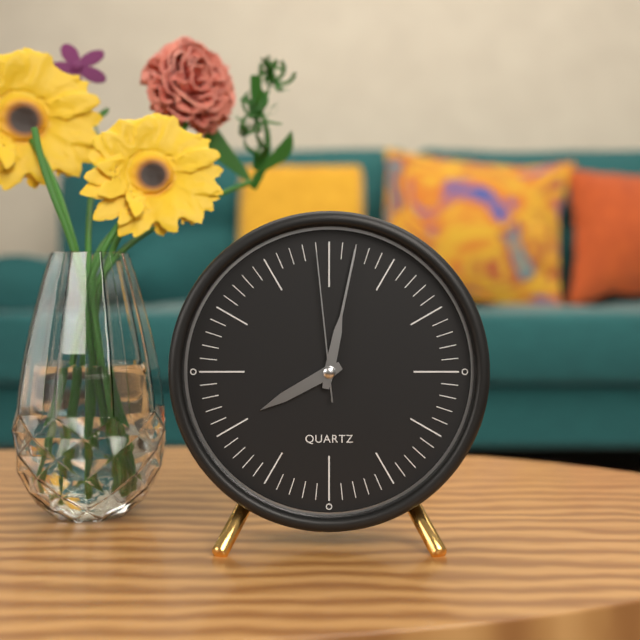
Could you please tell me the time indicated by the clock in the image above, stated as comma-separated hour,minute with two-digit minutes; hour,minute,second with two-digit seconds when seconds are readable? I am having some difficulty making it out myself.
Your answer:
8,02,59
